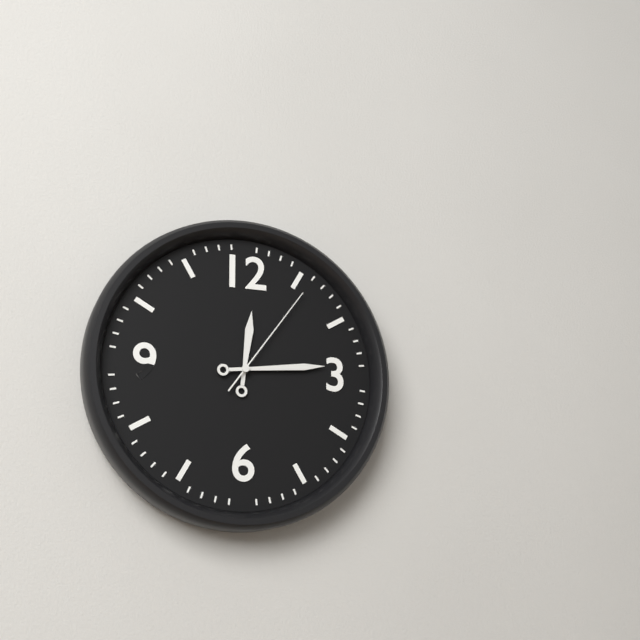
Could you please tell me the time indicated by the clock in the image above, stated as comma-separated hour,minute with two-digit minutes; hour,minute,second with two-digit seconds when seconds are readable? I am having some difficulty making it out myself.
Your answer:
12,14,06
